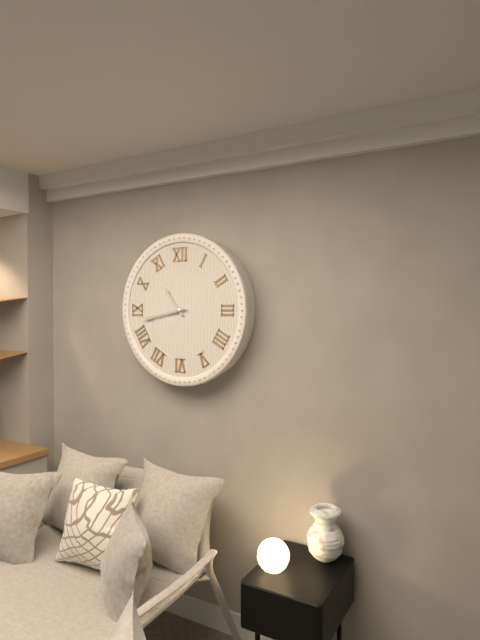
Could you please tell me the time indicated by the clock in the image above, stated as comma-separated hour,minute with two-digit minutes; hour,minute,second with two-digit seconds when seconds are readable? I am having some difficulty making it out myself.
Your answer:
10,43
